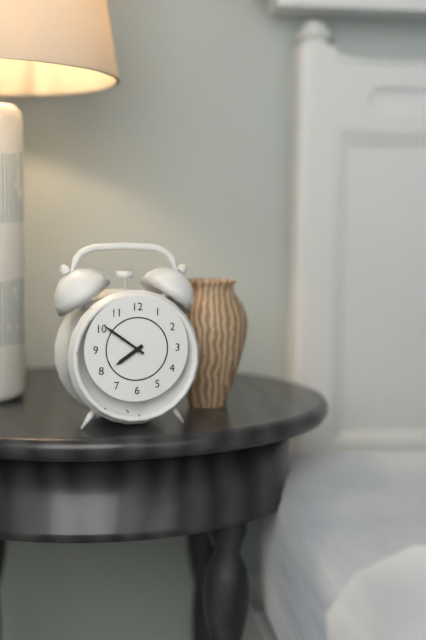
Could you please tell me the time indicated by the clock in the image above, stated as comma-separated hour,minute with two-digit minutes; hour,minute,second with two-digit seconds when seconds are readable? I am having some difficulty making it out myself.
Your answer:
7,51
